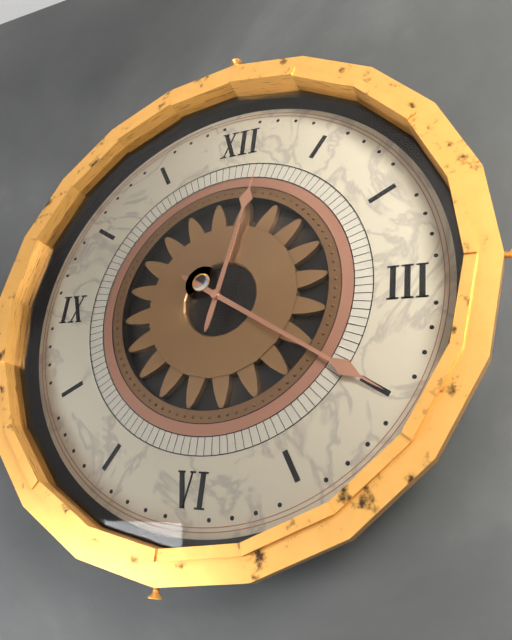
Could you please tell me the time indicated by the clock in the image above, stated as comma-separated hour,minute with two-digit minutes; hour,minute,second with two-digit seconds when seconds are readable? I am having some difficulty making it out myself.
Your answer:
12,20
